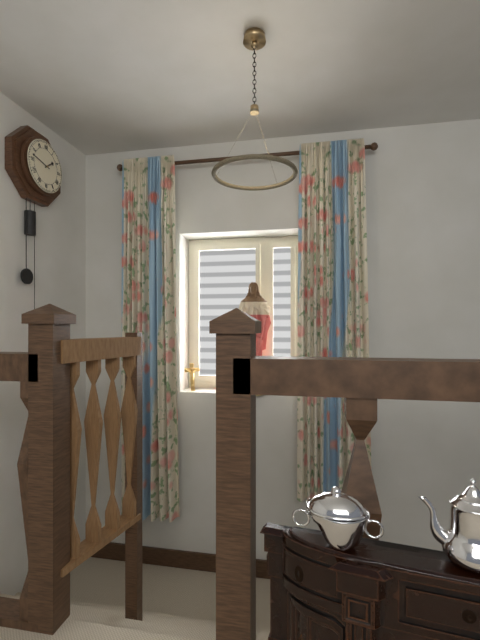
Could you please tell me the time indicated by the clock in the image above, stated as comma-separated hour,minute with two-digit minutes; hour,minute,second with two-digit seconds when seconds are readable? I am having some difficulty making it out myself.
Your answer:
1,47
